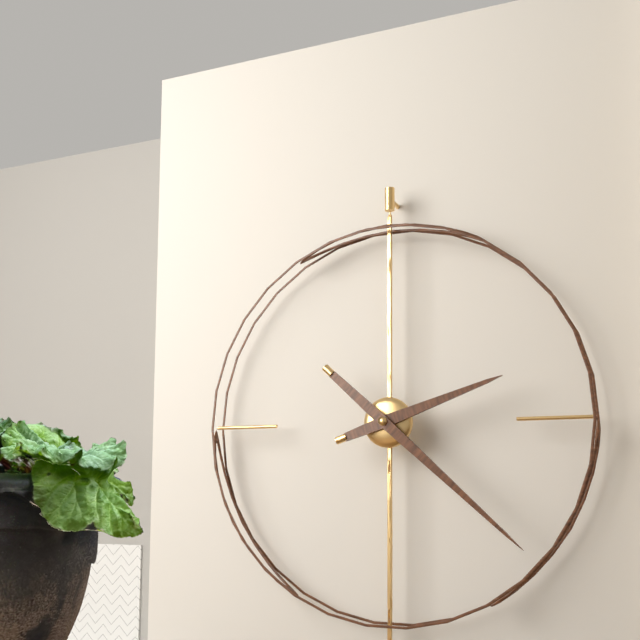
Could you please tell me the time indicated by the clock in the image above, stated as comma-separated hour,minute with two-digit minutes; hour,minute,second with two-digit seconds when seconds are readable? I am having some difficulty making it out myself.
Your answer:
2,22
